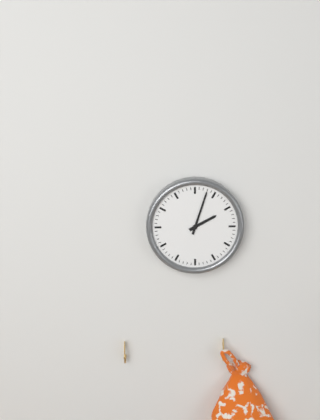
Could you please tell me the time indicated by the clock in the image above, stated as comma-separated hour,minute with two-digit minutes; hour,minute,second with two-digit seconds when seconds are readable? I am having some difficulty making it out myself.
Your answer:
2,03
